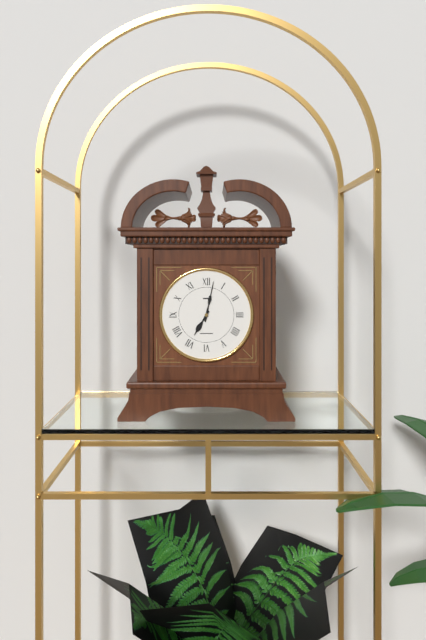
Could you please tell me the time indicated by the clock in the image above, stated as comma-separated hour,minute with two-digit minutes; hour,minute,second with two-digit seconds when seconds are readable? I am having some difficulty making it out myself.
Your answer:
7,02
